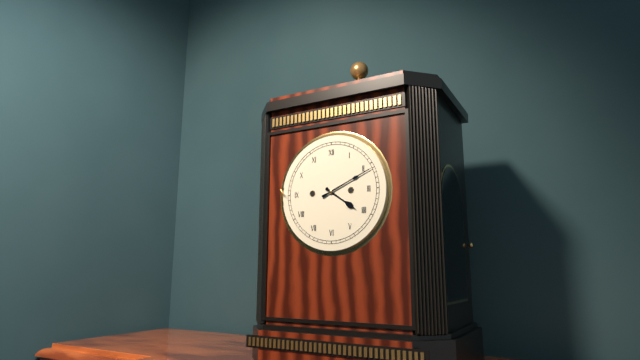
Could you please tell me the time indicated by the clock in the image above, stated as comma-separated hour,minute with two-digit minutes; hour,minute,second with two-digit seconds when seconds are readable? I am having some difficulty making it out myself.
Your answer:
4,11
